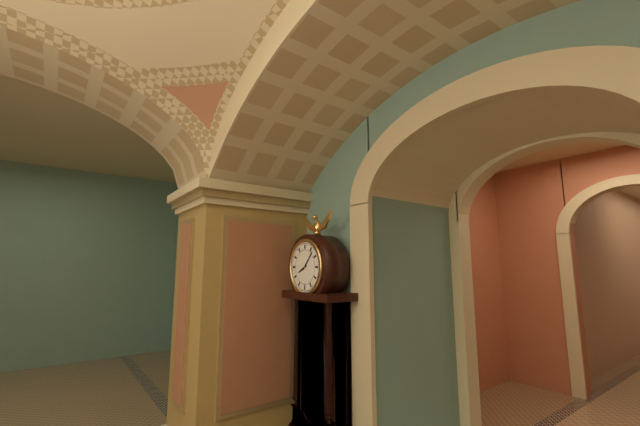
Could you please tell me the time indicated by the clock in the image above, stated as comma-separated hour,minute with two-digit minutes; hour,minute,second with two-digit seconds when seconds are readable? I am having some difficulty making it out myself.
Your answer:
8,07
